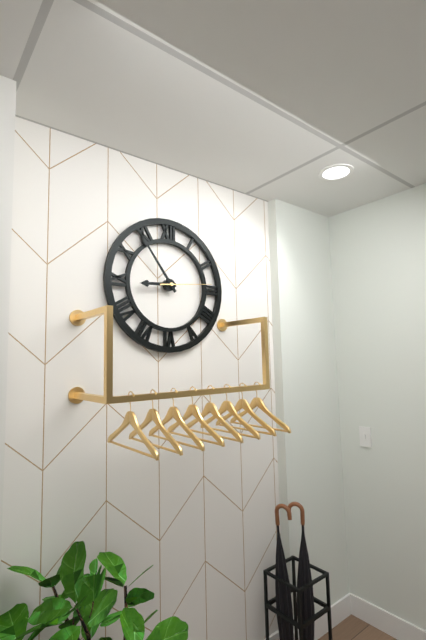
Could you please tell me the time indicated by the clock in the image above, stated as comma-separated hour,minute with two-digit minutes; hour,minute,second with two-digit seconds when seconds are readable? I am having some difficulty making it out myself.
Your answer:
8,54,14
